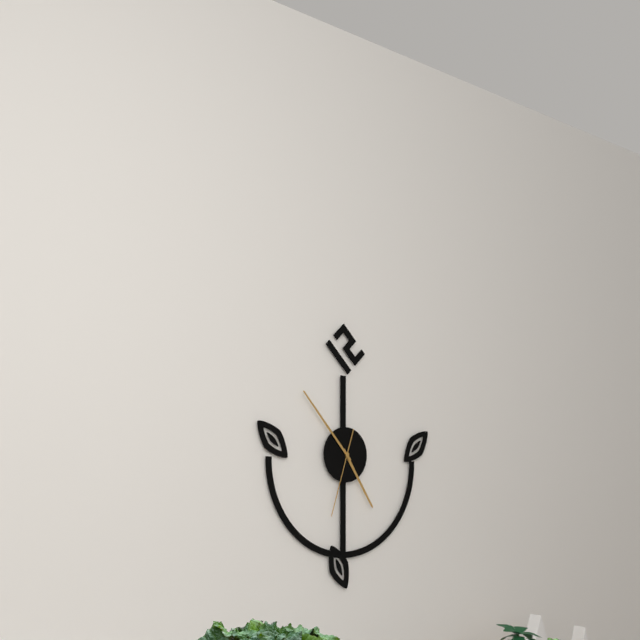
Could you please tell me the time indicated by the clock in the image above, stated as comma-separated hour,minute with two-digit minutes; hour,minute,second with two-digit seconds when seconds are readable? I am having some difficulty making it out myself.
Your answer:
4,53,33
